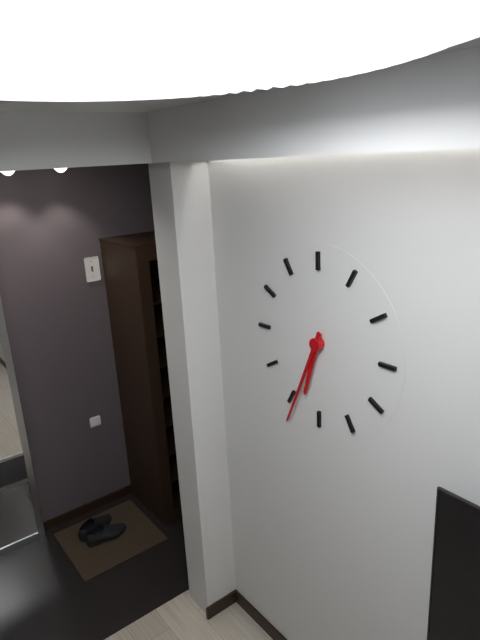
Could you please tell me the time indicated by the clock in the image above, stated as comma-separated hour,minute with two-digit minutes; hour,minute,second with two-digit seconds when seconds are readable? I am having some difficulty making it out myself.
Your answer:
6,34
